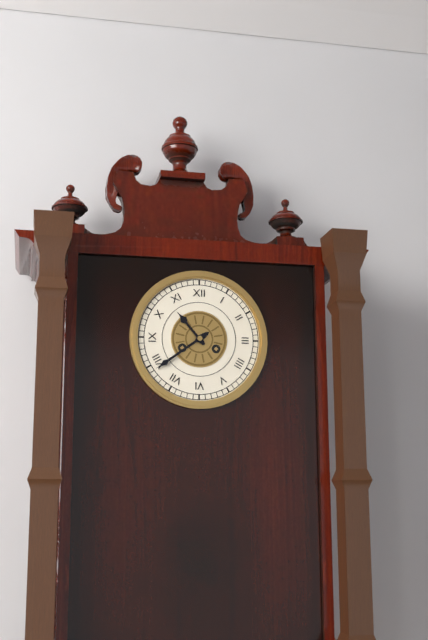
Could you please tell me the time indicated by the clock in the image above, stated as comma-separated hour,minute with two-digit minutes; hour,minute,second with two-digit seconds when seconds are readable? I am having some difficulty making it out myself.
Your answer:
10,39
